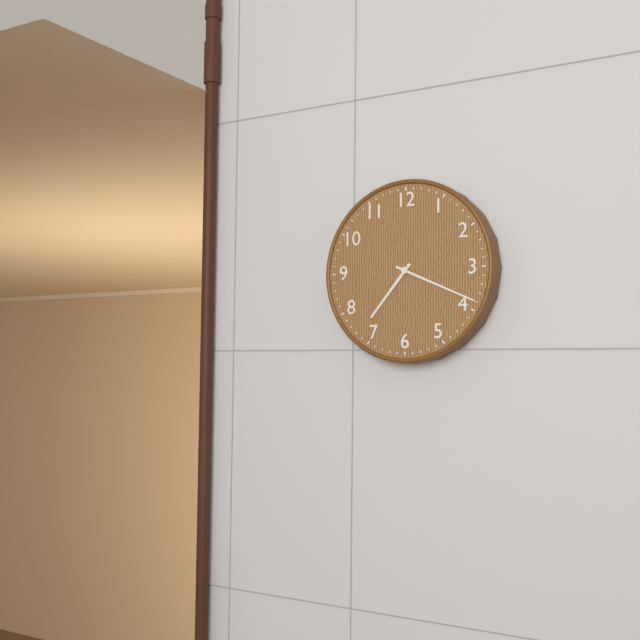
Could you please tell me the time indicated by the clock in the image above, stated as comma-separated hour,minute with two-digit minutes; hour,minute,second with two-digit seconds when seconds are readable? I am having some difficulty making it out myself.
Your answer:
7,19
